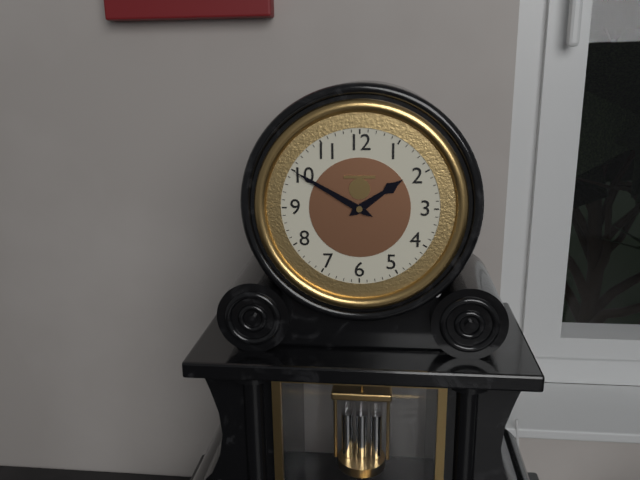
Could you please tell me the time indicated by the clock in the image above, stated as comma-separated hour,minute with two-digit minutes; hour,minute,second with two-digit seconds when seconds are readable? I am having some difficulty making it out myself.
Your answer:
1,50
